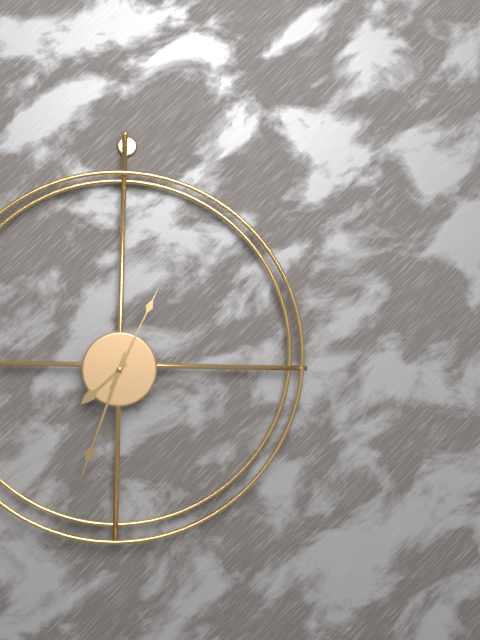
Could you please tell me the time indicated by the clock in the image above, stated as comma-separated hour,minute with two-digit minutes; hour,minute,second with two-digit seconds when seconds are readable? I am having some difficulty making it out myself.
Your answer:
7,33,04
